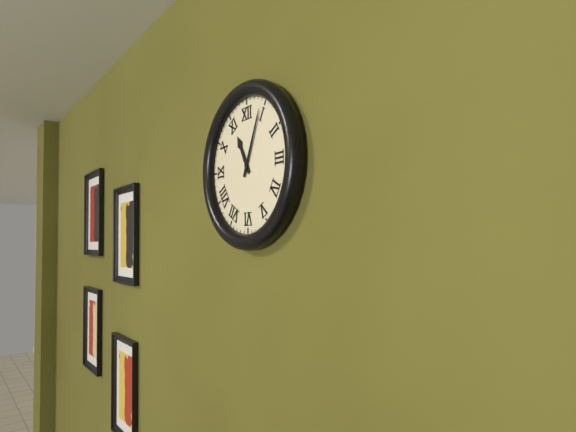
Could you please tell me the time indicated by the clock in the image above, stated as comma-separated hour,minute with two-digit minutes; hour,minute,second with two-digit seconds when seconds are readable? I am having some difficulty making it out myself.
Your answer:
11,04
